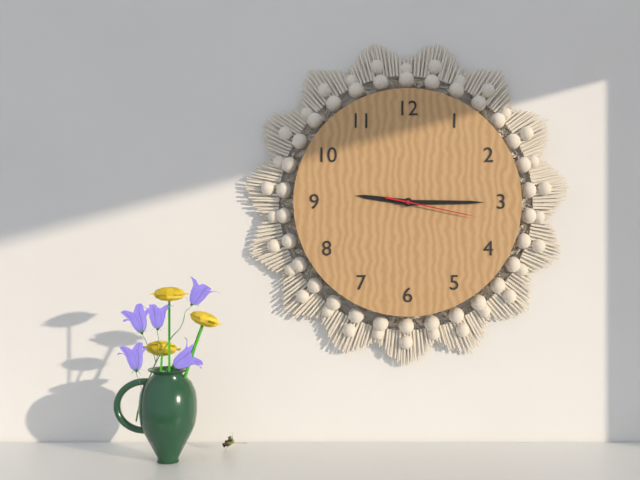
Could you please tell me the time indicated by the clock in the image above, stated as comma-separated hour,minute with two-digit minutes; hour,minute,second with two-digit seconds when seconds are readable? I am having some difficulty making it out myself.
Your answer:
9,15,17
